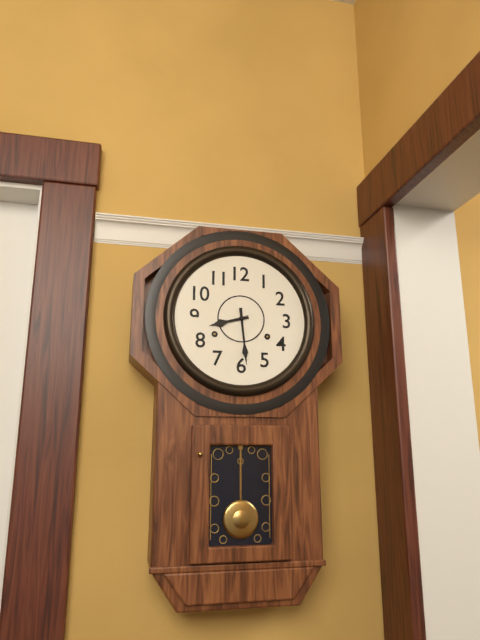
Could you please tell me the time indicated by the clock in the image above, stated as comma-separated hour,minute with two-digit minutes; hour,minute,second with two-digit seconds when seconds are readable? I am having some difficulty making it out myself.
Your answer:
8,29
